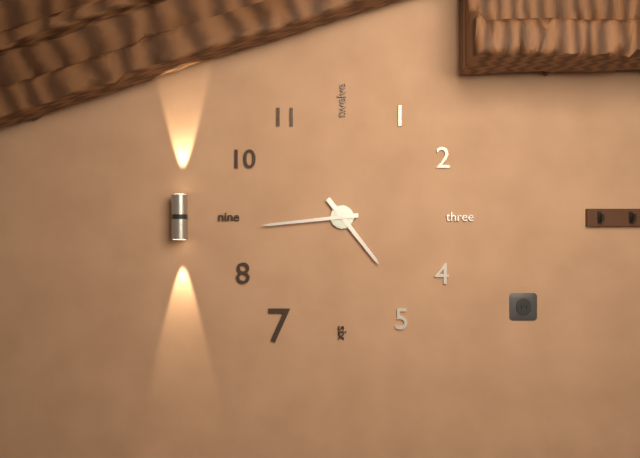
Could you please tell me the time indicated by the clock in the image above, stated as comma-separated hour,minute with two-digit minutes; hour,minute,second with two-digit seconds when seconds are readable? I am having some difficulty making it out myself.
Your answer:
4,44
